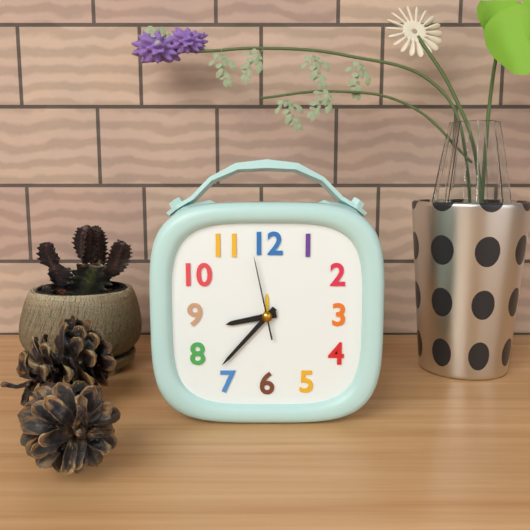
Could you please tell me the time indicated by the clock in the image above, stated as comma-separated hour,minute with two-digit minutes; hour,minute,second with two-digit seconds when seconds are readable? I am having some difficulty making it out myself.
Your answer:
8,37,58
